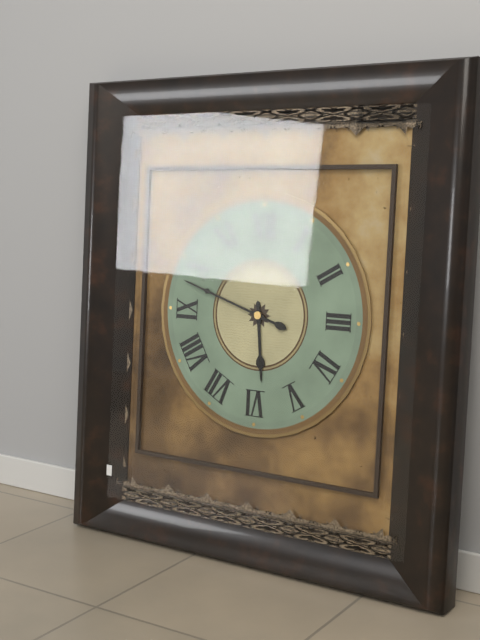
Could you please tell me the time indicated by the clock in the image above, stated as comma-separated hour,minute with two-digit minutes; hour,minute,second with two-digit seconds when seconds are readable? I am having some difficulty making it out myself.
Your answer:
5,48
